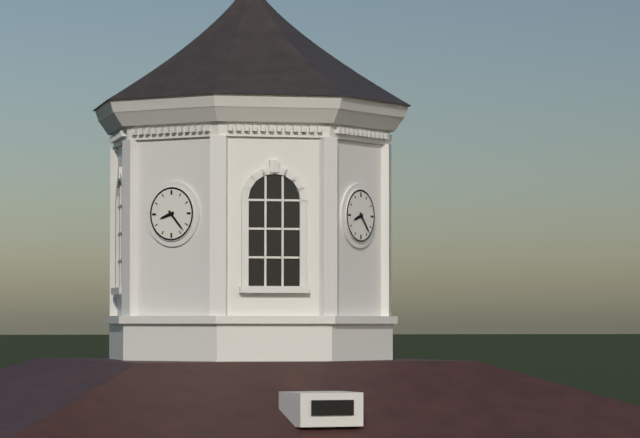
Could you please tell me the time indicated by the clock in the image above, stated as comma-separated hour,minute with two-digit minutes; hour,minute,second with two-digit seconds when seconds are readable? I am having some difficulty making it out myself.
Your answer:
8,23
